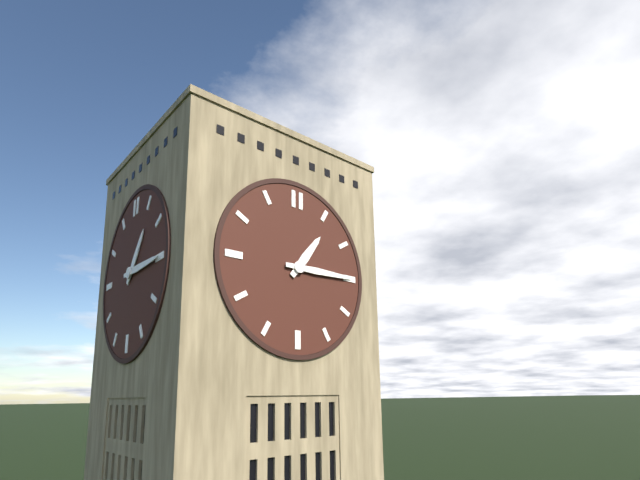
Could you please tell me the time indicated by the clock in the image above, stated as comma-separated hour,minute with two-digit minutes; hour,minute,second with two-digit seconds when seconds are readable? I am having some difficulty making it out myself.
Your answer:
1,15
